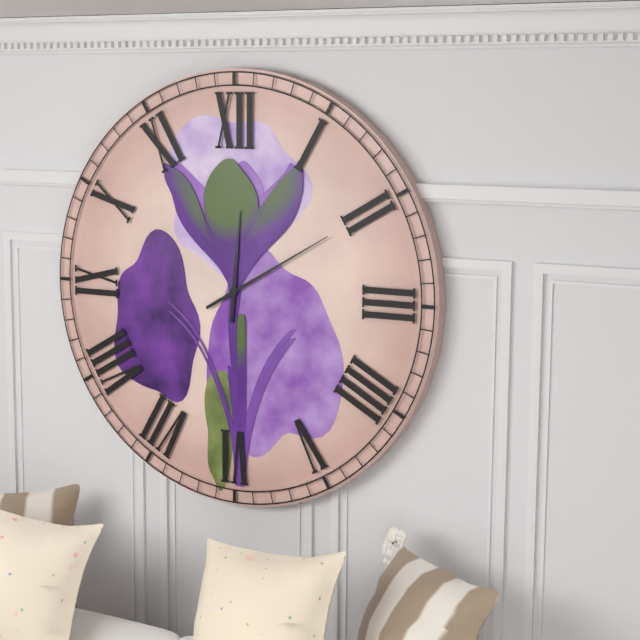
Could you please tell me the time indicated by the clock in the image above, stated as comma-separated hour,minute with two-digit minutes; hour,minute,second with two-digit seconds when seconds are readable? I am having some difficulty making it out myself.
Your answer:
12,10
